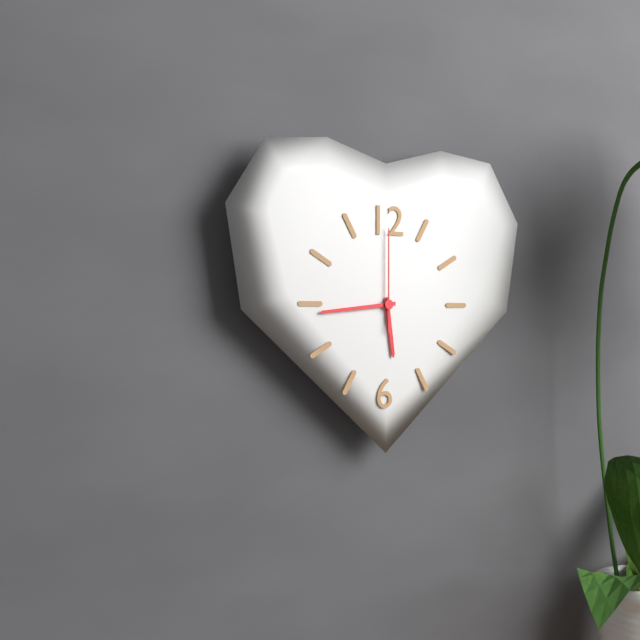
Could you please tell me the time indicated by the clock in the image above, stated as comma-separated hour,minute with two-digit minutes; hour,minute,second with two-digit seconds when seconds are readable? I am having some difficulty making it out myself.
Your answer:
5,44,00
